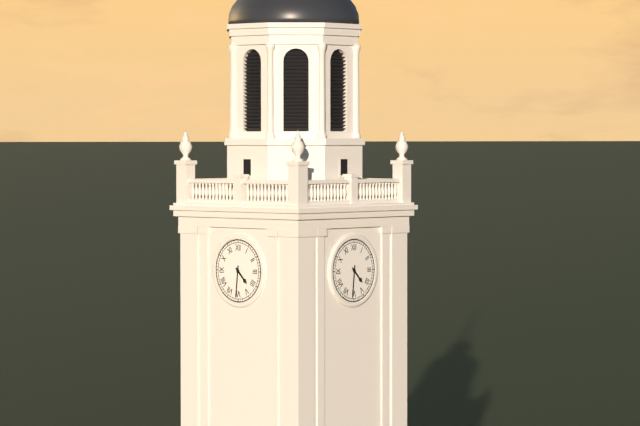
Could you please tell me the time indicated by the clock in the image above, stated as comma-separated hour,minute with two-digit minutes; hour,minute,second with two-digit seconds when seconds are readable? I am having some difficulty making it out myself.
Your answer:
4,31
